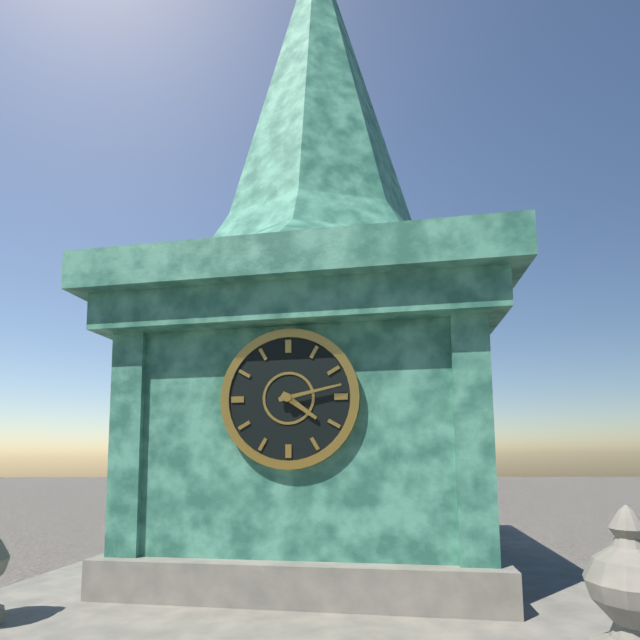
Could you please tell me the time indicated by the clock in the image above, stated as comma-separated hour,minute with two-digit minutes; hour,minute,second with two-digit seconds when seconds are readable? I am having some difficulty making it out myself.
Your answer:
4,13
